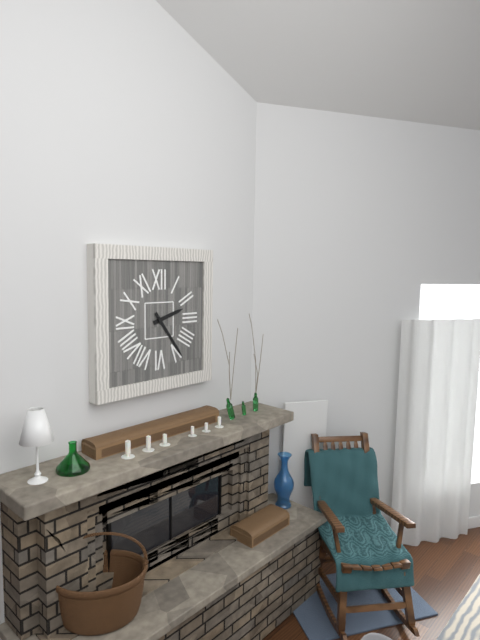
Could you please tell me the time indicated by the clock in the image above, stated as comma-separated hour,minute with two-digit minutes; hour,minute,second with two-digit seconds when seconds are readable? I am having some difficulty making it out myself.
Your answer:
2,24
